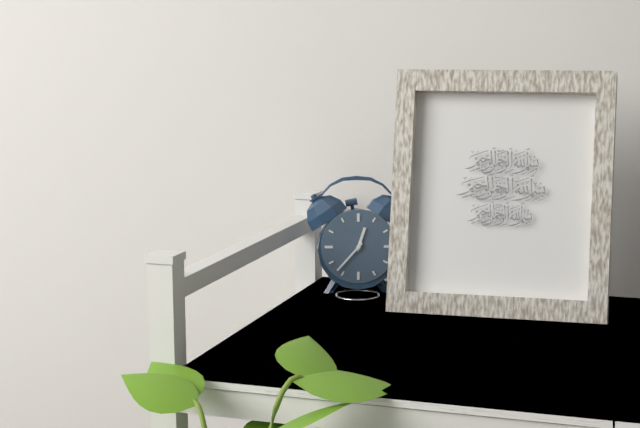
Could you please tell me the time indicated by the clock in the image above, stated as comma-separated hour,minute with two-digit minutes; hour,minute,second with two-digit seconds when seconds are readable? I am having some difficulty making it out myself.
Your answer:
12,37
